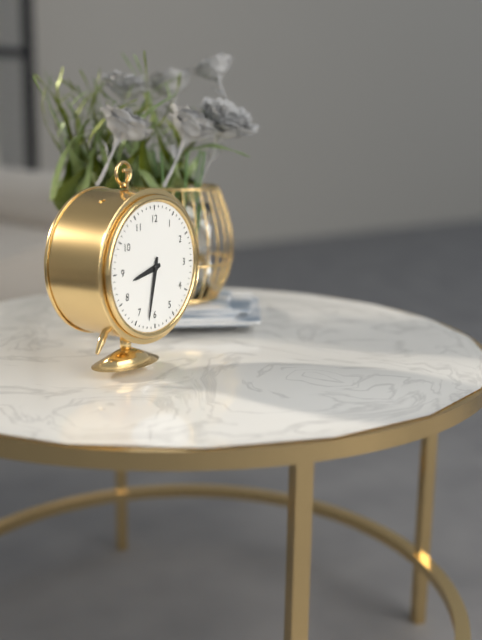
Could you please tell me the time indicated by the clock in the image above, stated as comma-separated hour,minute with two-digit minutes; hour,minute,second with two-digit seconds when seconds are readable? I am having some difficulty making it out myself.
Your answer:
8,32
